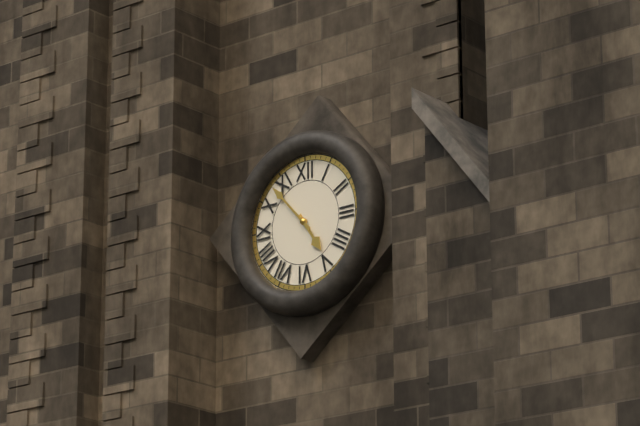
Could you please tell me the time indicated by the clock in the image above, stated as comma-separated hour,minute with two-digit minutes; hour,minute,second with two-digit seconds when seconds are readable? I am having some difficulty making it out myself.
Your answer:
4,53
